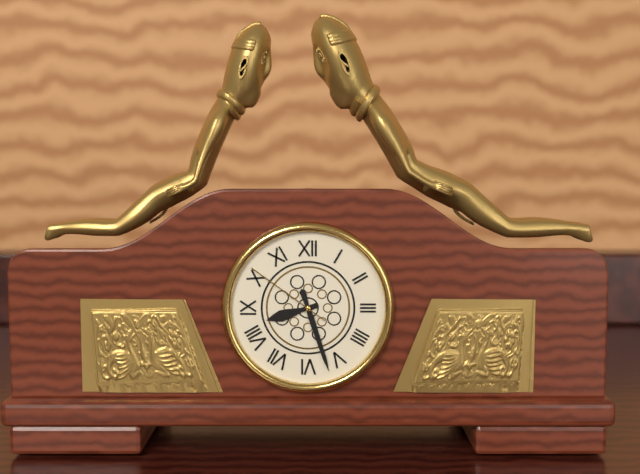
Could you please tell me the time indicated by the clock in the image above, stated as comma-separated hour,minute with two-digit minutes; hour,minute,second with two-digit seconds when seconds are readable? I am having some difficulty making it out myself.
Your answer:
8,27,51
